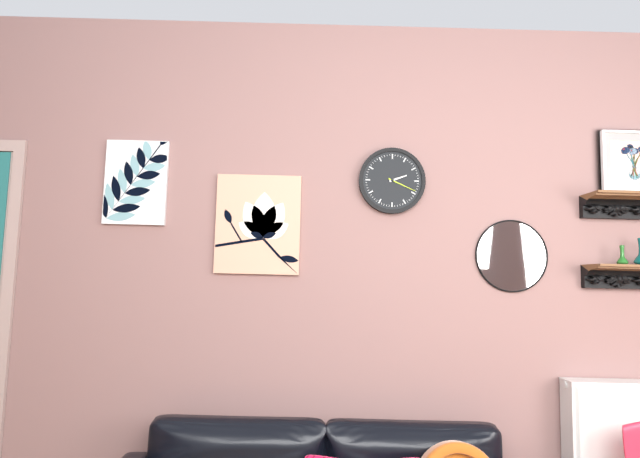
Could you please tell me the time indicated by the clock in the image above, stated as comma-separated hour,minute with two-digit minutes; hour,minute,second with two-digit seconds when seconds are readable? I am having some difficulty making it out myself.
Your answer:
2,19
